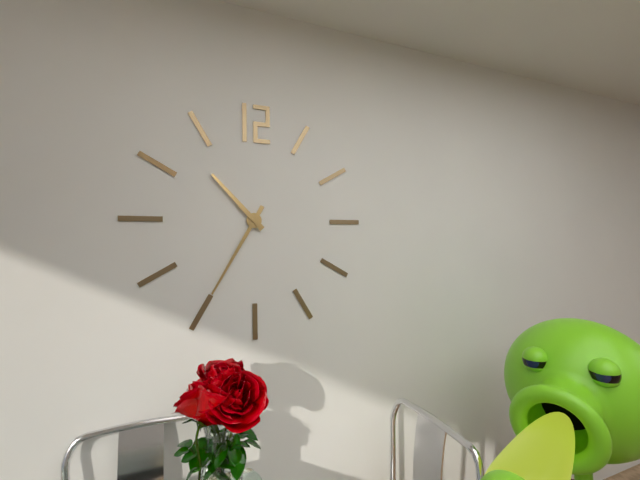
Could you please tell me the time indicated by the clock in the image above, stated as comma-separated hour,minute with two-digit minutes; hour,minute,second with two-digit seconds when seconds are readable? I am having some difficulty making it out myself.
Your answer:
10,35
